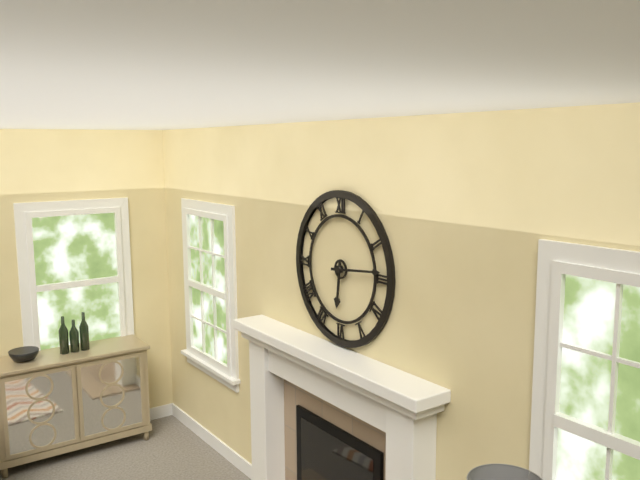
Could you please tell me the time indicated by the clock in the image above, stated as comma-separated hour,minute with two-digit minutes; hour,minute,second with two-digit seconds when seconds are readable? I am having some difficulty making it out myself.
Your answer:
6,14
